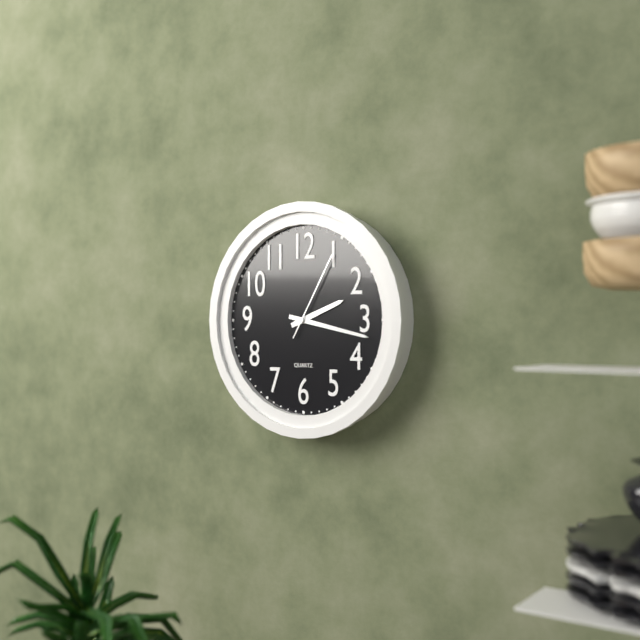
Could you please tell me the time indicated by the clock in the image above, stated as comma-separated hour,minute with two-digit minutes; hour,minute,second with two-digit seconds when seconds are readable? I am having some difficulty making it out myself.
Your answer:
2,17,05
